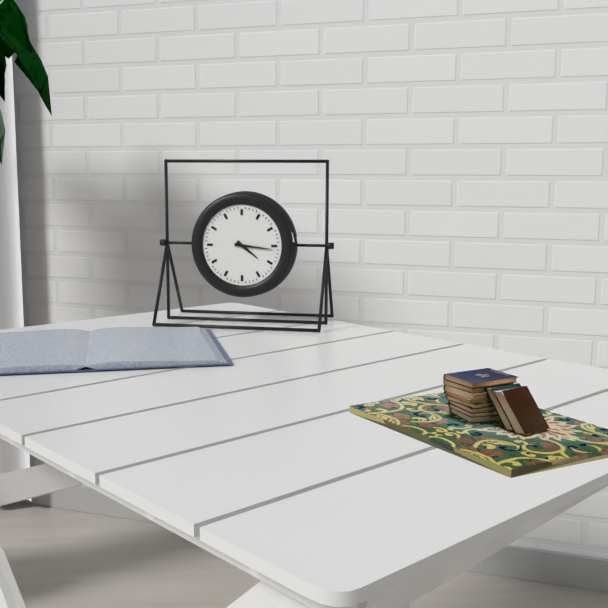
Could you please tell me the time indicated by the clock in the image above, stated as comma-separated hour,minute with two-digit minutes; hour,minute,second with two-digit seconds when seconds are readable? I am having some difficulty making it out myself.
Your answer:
4,16
